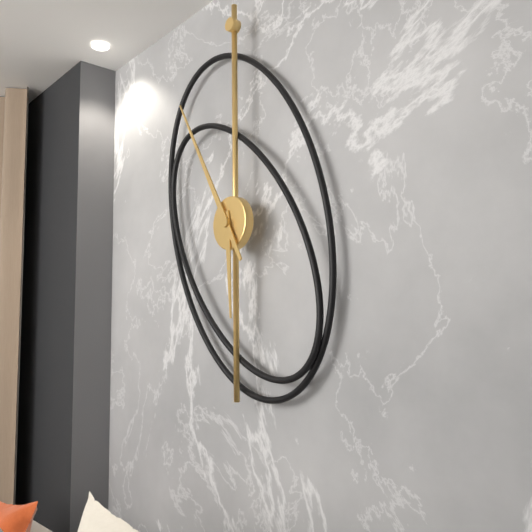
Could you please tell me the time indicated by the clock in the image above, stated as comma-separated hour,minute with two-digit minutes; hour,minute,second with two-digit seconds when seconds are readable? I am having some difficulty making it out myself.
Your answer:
5,55
